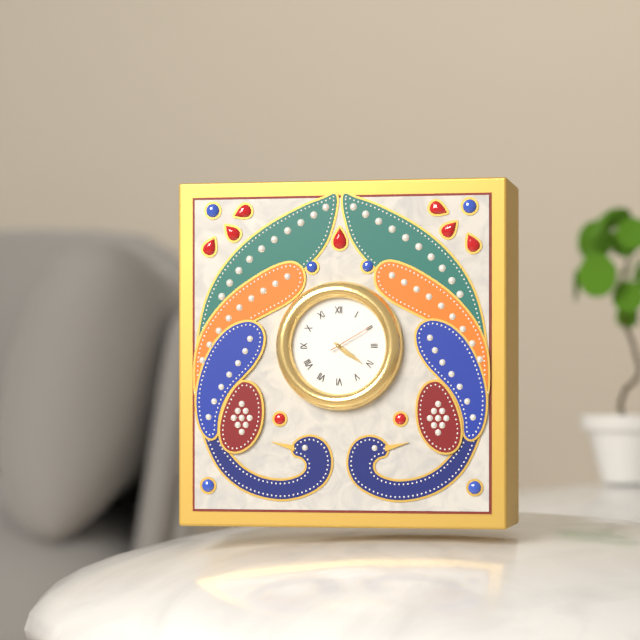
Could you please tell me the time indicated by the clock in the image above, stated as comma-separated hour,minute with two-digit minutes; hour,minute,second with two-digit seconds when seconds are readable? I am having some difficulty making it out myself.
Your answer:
4,21
